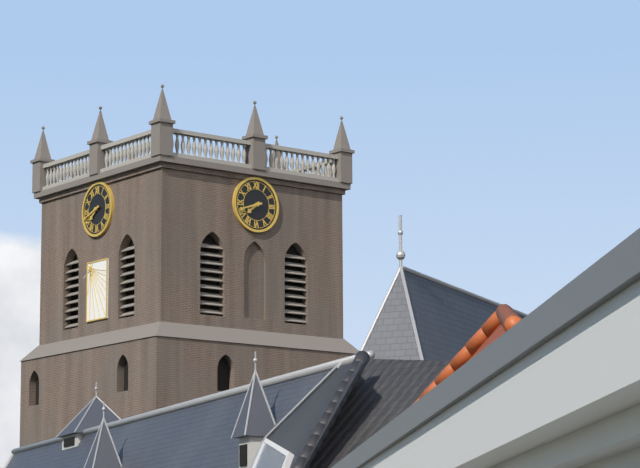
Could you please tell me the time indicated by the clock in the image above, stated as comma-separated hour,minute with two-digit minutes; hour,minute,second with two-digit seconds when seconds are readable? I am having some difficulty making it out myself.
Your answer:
7,42
